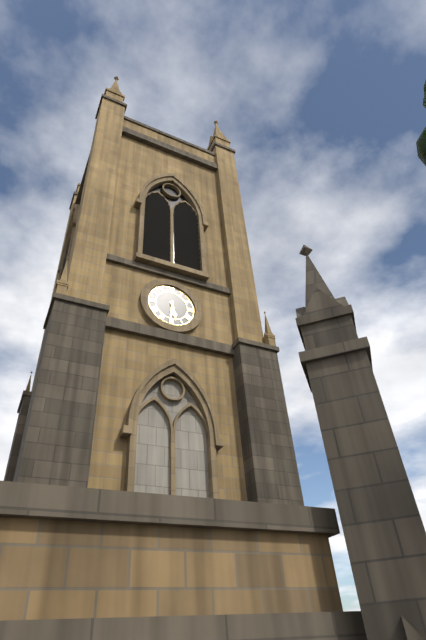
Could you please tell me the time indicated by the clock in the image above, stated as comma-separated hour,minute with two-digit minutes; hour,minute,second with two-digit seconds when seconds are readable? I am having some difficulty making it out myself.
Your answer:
5,31
